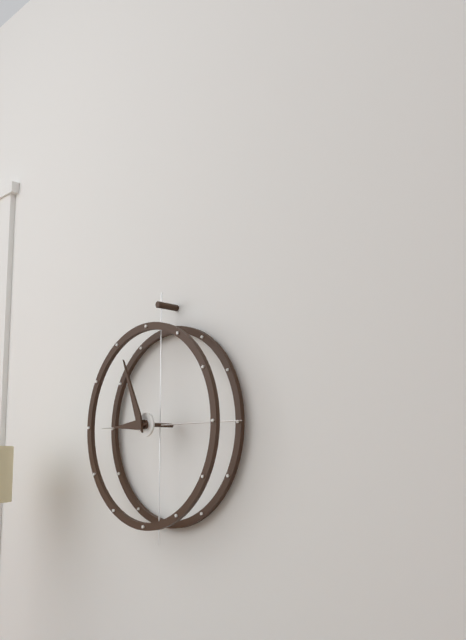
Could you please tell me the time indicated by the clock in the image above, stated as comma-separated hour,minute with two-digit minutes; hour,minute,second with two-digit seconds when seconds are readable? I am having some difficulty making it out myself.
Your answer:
8,56
